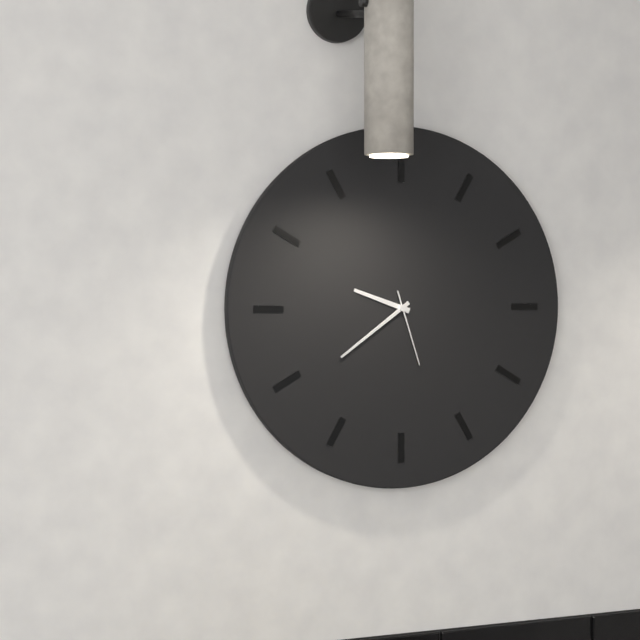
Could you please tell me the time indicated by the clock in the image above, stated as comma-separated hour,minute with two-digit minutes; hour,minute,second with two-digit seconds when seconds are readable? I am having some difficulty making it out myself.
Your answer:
9,39,27
